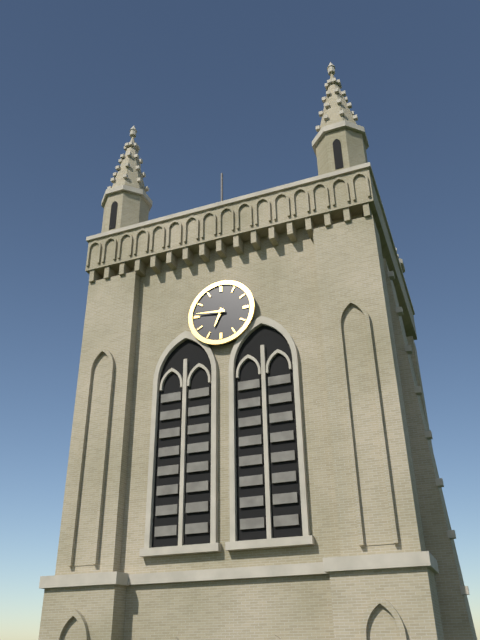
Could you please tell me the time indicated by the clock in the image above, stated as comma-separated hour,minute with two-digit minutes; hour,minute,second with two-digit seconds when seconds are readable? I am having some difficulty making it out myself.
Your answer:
6,46
